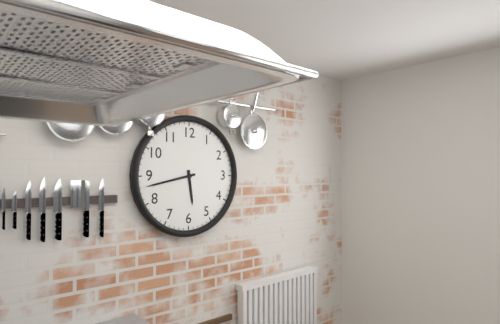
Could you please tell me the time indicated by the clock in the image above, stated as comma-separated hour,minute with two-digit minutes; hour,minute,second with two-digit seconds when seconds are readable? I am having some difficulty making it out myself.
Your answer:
5,43
